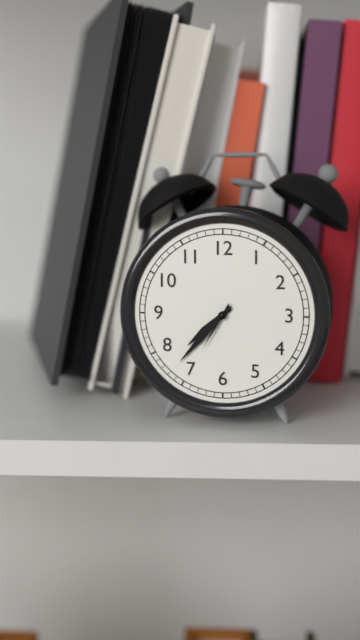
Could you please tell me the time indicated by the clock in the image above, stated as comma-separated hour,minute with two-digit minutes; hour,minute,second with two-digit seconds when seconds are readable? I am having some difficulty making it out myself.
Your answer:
7,37,35
